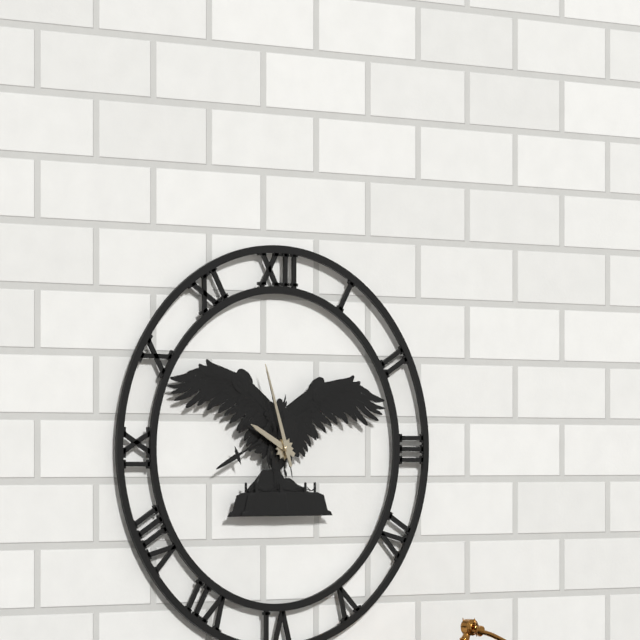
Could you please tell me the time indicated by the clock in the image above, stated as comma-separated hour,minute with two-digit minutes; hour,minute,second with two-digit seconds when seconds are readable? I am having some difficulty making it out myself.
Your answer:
9,57
